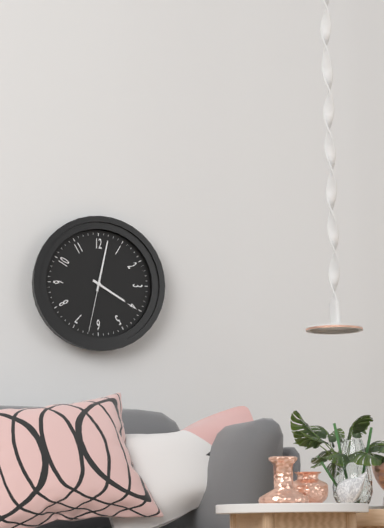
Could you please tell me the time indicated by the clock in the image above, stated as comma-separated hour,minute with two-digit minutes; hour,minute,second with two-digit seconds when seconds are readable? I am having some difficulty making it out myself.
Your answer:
4,02,32
